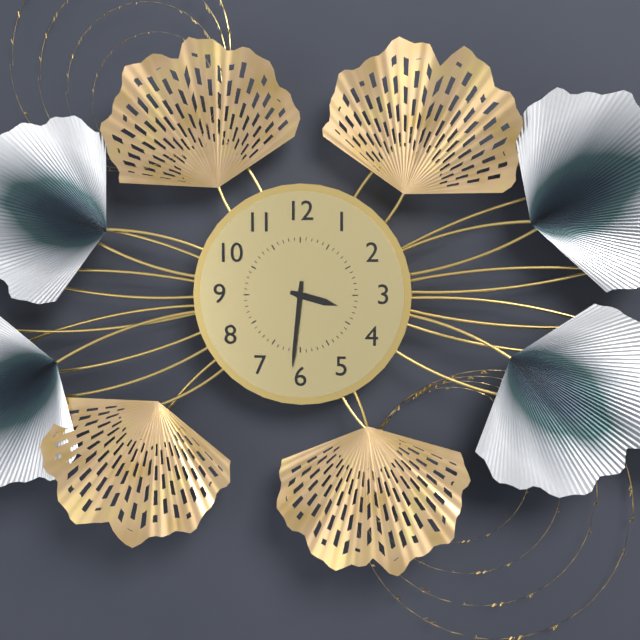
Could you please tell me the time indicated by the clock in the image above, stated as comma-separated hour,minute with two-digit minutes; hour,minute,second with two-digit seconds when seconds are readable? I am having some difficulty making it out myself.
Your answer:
3,31
